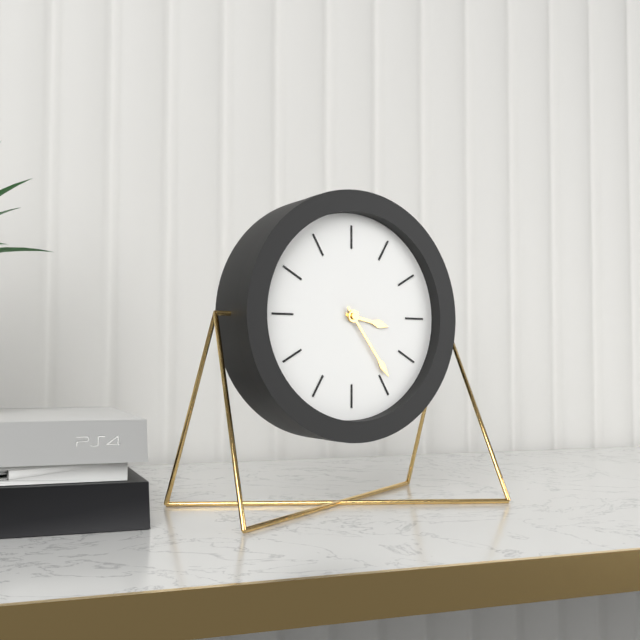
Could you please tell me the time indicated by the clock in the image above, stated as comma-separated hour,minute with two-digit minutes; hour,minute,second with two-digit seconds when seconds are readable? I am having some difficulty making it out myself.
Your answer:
3,24
